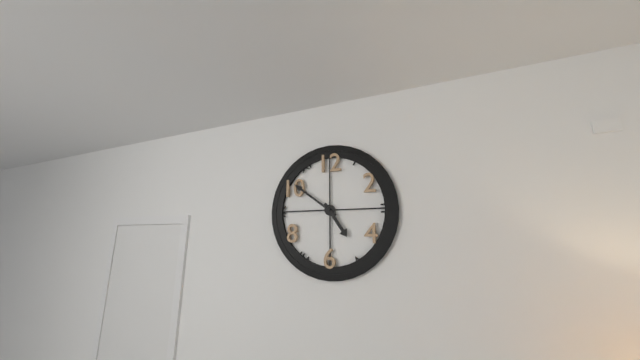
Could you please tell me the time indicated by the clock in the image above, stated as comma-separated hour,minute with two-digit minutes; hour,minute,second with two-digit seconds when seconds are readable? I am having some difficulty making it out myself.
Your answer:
4,51
